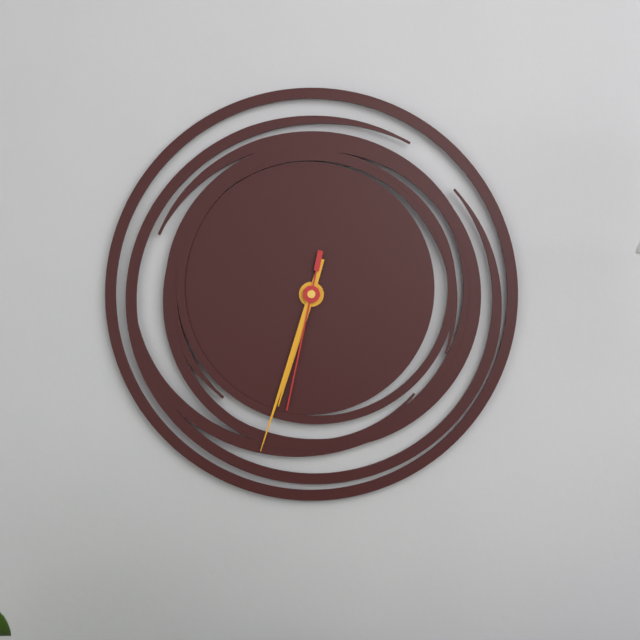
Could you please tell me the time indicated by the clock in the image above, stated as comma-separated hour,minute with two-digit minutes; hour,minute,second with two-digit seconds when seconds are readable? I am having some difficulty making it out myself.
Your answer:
6,33,32
